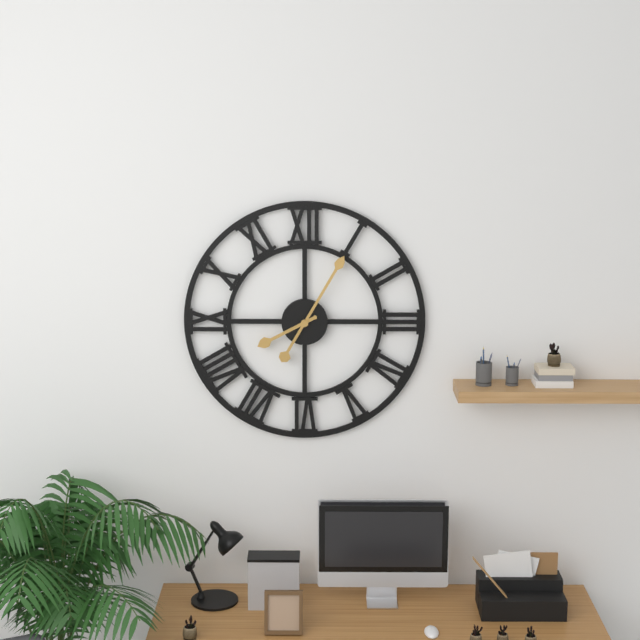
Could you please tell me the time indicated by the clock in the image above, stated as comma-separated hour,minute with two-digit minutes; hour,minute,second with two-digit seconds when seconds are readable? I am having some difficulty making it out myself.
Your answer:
8,05
